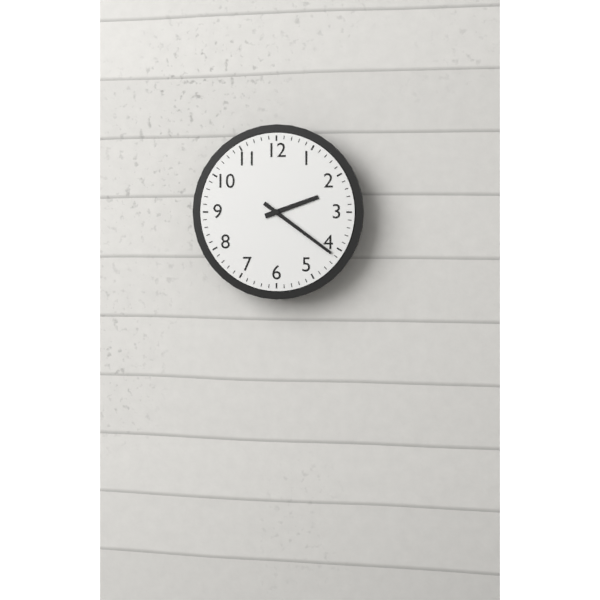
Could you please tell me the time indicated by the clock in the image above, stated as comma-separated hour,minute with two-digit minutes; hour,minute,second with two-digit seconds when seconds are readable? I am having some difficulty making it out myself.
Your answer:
2,21
